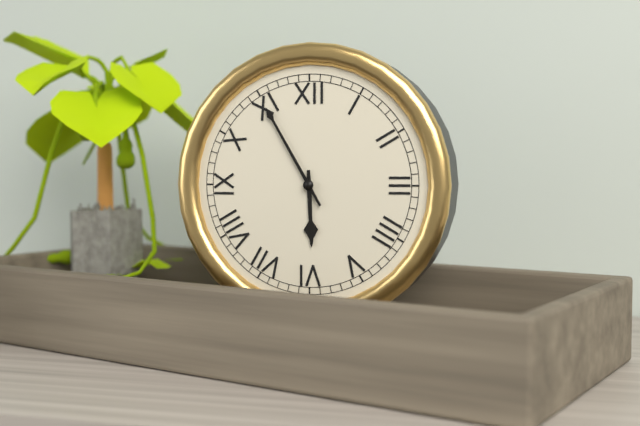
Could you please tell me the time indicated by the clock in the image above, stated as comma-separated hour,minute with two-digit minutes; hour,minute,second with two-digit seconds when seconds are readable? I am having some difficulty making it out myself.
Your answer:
5,55
